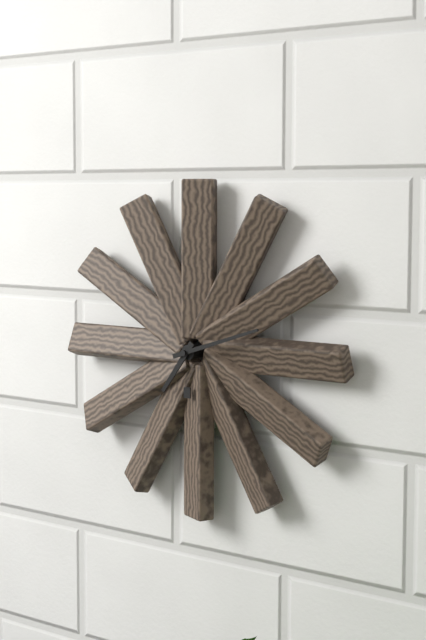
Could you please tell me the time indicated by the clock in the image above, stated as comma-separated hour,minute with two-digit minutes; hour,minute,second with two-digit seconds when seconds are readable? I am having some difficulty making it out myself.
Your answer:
7,12
